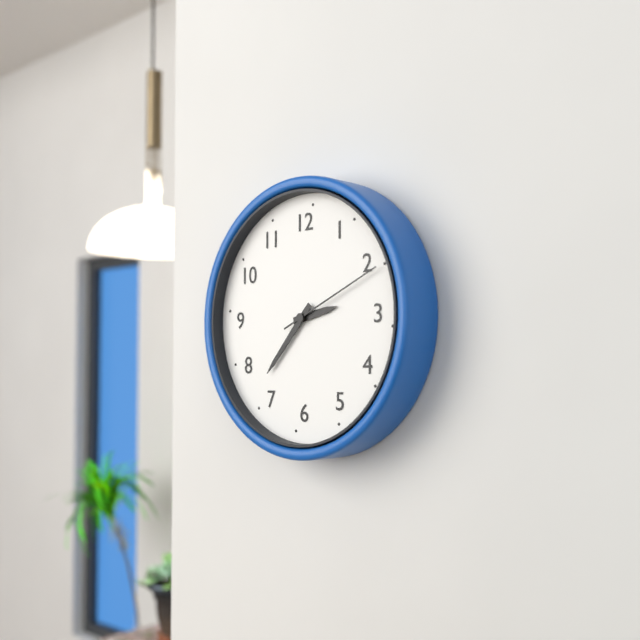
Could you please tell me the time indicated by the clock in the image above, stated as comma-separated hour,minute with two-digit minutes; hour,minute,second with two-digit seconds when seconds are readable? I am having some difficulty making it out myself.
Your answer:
2,37,11
